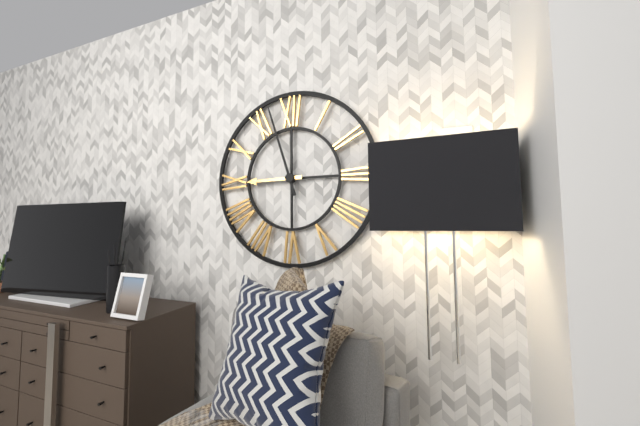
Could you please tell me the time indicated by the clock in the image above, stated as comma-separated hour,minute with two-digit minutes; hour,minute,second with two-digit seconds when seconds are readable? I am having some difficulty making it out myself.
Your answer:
8,57
